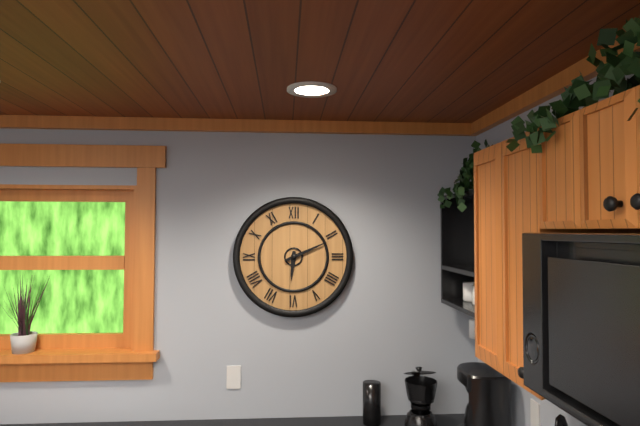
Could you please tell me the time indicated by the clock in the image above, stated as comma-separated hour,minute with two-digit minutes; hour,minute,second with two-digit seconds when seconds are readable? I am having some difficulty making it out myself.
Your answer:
6,11
